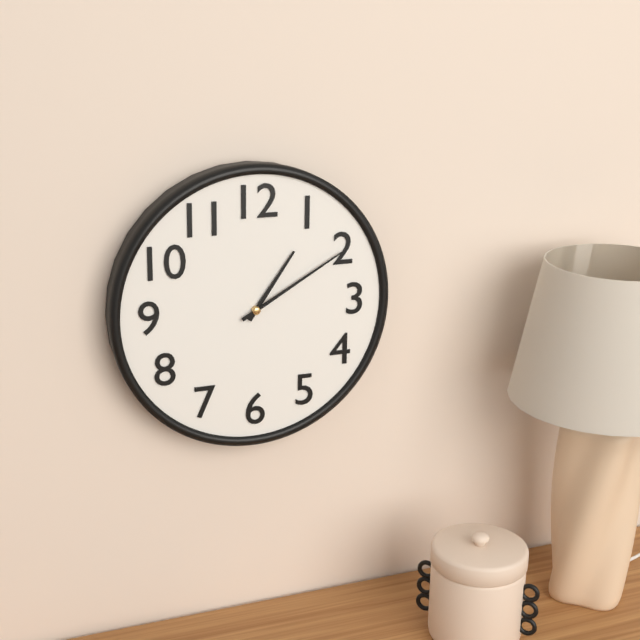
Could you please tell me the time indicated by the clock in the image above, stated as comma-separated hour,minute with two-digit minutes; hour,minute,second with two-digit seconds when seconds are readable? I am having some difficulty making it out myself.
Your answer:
1,10
